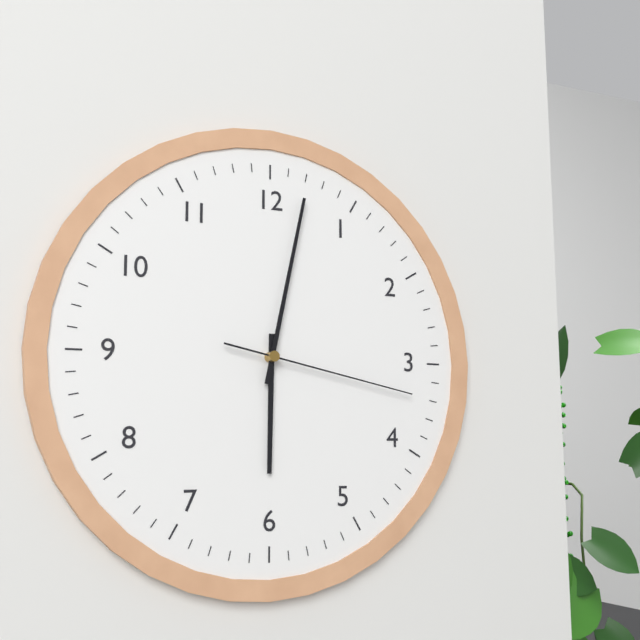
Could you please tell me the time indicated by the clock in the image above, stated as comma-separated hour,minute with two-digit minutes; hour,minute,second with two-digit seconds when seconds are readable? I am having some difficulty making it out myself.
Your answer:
6,02,17
